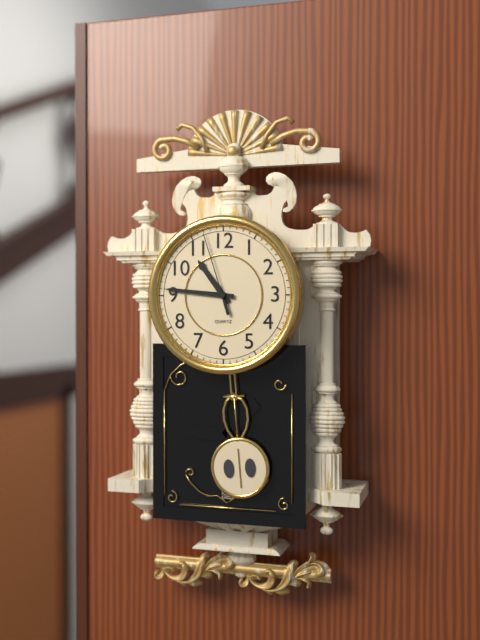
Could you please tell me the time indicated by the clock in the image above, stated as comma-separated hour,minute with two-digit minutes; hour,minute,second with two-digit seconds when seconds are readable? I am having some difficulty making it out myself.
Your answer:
10,46,57
